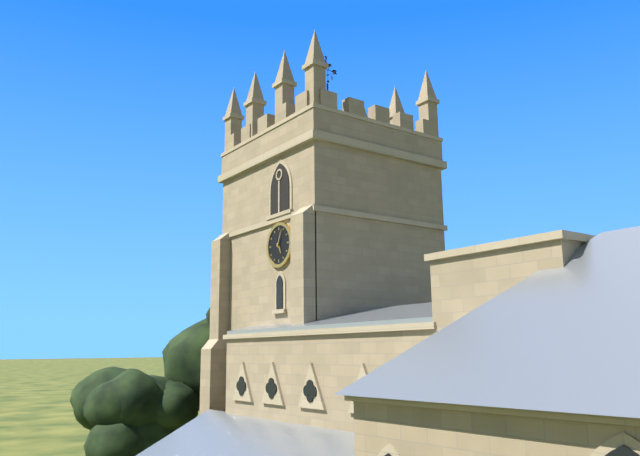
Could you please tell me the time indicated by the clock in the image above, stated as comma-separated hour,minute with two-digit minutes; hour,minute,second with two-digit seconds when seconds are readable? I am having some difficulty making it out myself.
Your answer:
5,04
